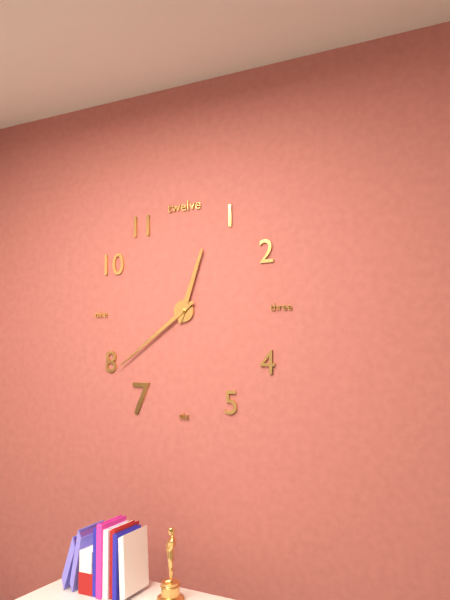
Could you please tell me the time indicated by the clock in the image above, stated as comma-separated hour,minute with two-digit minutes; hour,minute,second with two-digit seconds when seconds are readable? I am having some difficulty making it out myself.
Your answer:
12,39
